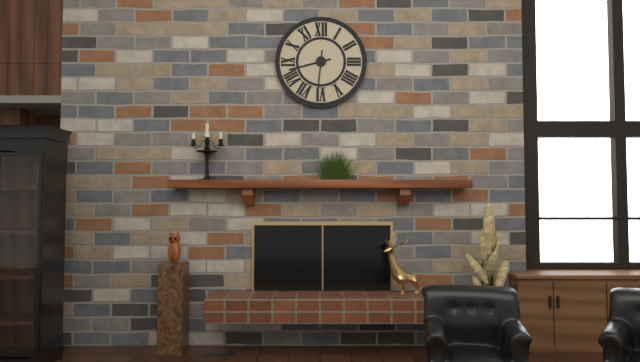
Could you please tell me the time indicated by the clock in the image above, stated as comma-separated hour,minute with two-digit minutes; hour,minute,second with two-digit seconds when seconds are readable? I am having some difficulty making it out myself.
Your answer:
8,31
